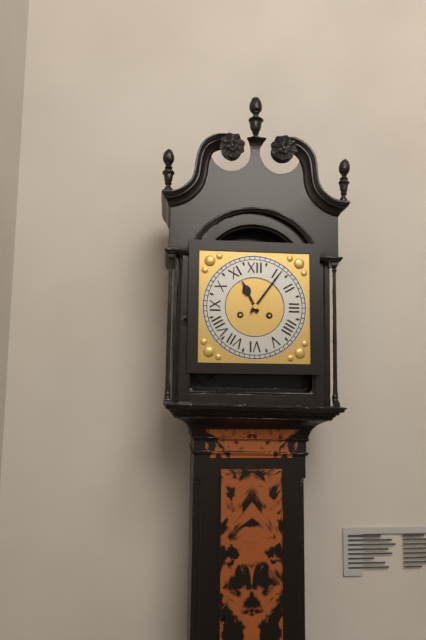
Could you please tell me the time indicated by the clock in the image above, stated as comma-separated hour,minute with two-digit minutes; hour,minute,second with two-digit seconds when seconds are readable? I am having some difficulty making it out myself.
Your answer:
11,06
